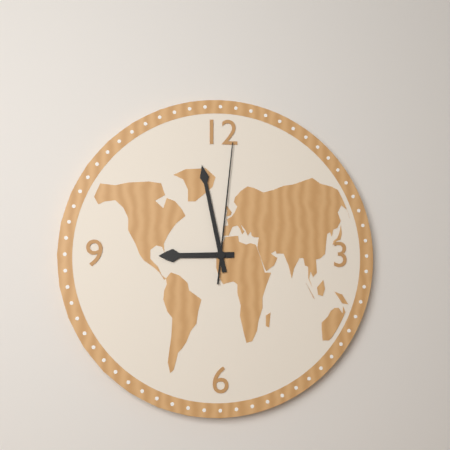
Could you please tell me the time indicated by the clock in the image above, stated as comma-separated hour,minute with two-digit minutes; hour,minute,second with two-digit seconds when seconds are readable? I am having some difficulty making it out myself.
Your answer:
8,58,01
